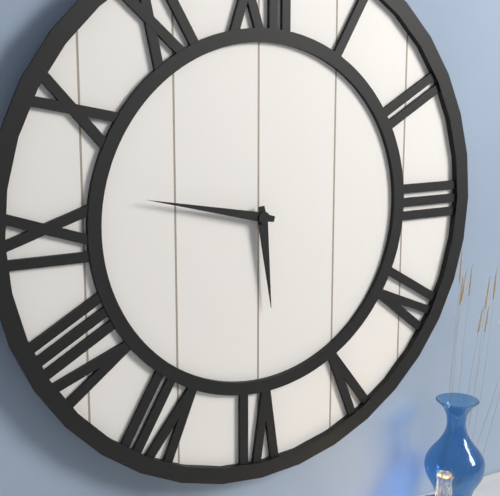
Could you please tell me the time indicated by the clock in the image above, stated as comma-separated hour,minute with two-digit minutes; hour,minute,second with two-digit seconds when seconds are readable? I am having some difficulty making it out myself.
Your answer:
5,47
